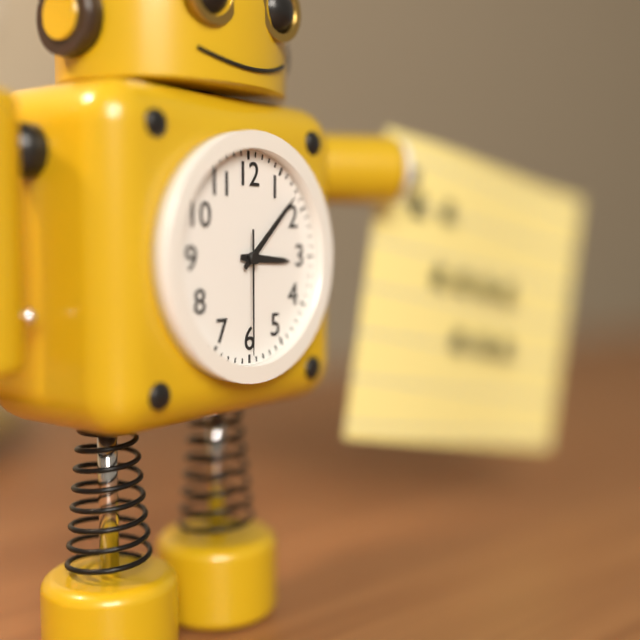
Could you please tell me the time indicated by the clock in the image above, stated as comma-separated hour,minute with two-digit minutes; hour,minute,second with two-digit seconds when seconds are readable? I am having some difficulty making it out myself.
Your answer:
3,08,30
